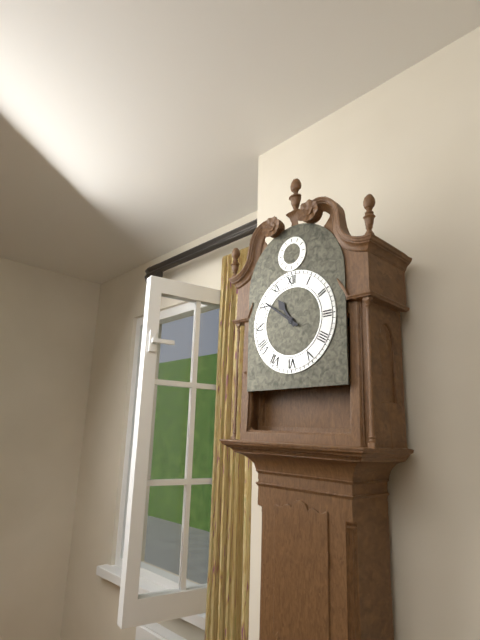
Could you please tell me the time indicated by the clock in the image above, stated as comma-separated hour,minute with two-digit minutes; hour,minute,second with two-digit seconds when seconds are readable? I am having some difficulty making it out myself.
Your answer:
10,51
